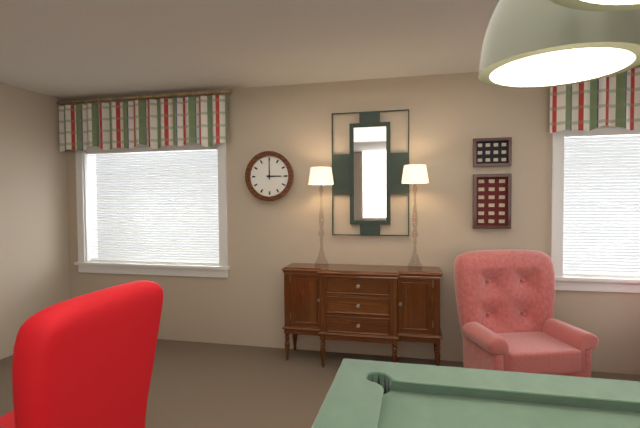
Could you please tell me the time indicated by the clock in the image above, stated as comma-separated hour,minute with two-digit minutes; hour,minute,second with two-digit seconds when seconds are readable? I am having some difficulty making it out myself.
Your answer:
3,00
